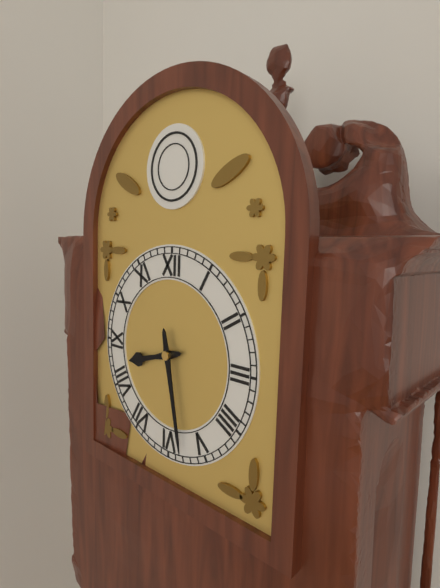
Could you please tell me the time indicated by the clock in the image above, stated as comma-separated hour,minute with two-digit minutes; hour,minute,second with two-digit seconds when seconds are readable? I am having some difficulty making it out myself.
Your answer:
8,28
